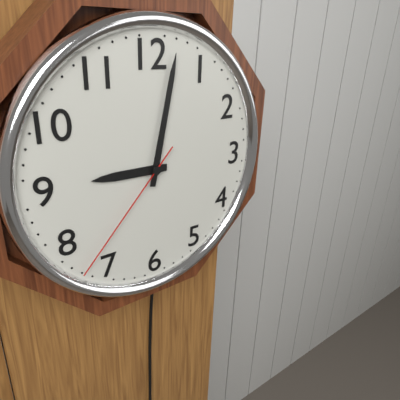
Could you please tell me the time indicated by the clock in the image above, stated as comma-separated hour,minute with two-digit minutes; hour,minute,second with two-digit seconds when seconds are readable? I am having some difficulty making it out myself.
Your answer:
9,02,37
